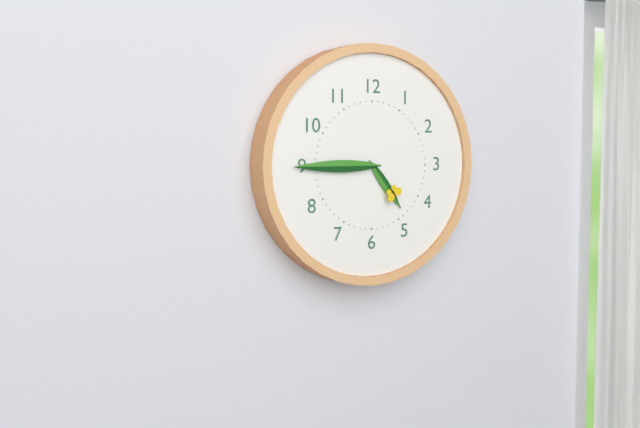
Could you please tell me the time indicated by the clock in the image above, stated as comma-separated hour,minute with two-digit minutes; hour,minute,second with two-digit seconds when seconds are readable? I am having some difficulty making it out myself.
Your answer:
4,45
